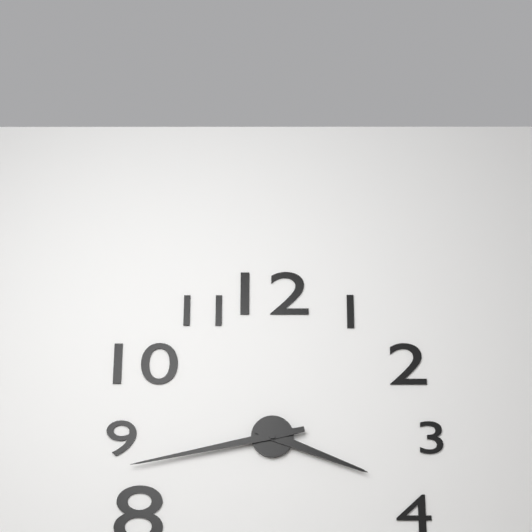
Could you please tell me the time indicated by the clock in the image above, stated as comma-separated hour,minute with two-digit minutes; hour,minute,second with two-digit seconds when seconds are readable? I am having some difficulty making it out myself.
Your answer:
3,43
